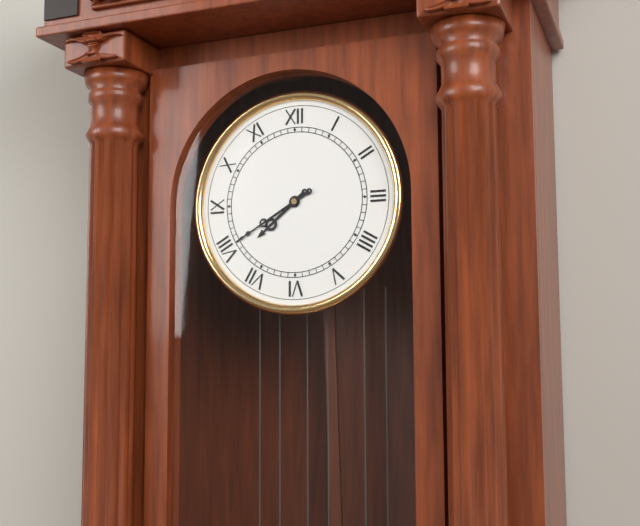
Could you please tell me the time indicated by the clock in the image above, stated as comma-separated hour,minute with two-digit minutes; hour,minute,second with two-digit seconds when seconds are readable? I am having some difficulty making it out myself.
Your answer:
7,40
